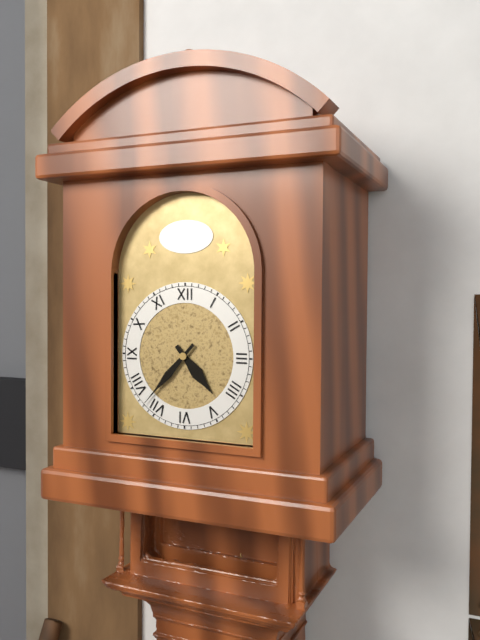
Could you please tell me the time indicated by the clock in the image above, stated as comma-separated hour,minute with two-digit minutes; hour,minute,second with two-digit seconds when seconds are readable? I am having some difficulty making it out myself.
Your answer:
4,37
